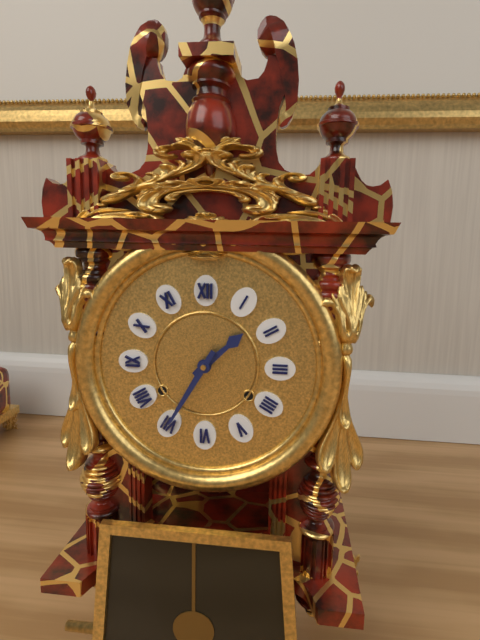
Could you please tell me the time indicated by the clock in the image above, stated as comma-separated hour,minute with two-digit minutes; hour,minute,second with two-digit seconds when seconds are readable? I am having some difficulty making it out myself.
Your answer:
1,35
